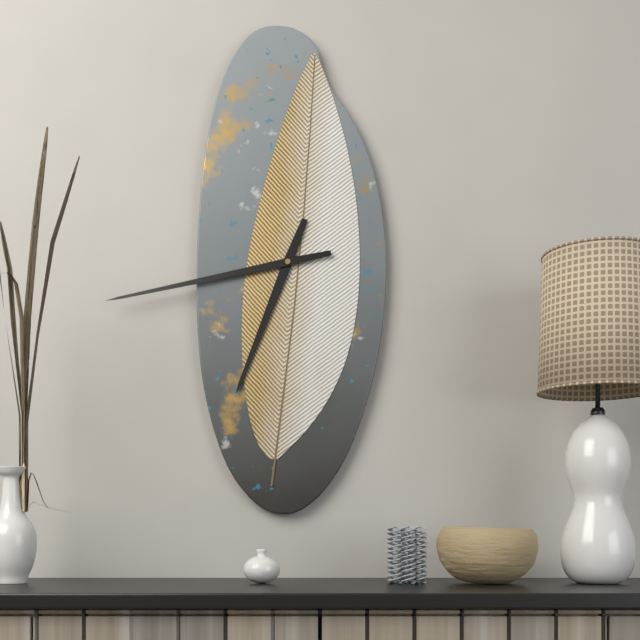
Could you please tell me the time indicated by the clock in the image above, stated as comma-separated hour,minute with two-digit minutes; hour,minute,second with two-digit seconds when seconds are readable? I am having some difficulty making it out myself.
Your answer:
6,43
